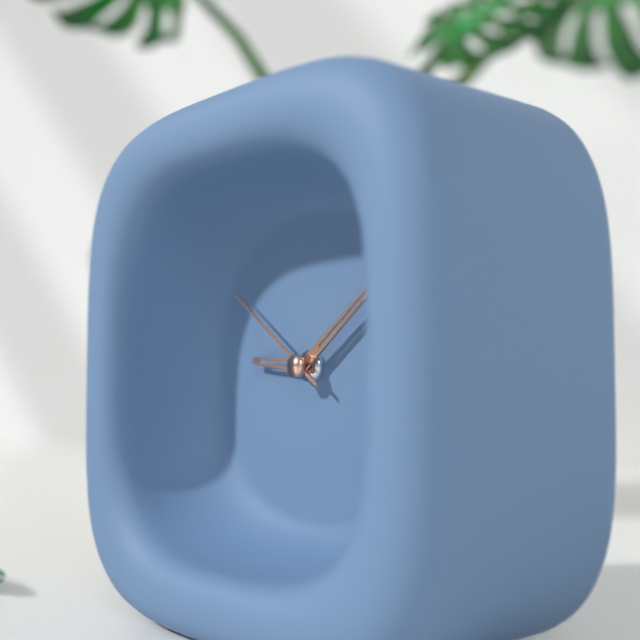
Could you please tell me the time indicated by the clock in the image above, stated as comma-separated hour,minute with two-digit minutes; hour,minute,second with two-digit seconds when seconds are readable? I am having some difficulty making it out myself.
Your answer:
9,09,51
